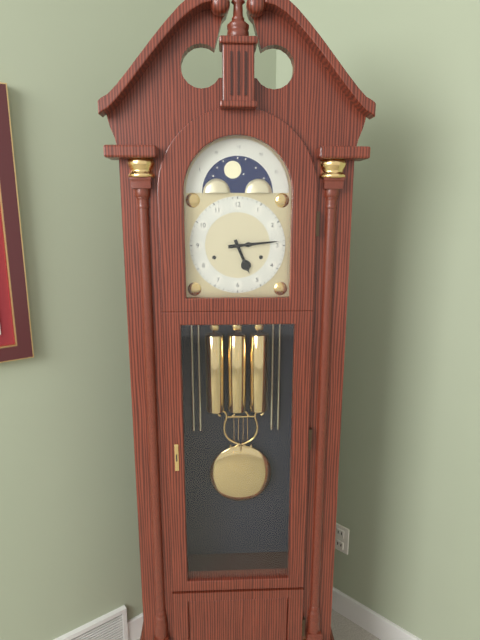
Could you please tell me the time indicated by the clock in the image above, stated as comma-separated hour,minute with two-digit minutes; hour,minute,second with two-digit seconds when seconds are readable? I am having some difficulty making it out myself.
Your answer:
5,14
